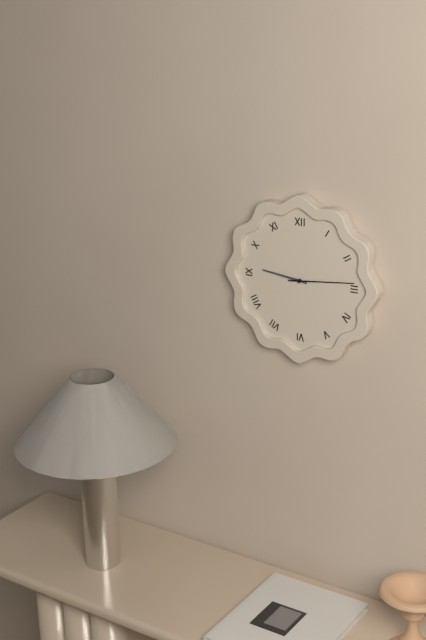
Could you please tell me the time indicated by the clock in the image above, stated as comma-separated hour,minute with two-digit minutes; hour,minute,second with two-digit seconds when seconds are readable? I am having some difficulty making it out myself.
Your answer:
9,14
